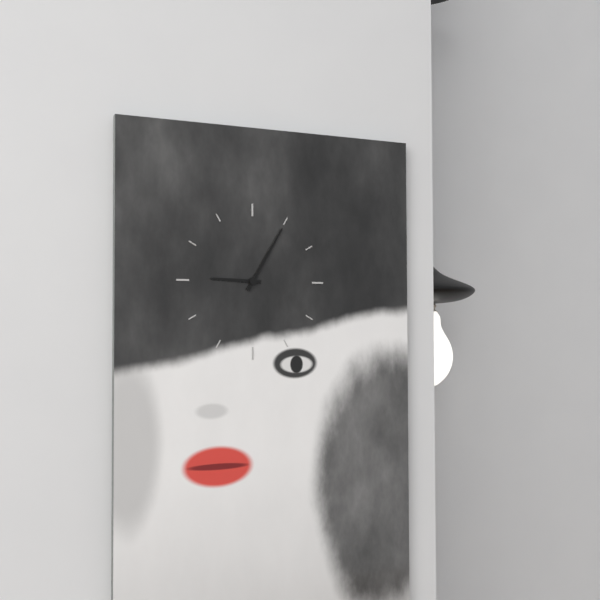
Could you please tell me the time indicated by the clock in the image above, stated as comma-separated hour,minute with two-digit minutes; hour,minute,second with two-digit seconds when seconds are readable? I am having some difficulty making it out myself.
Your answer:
9,05
